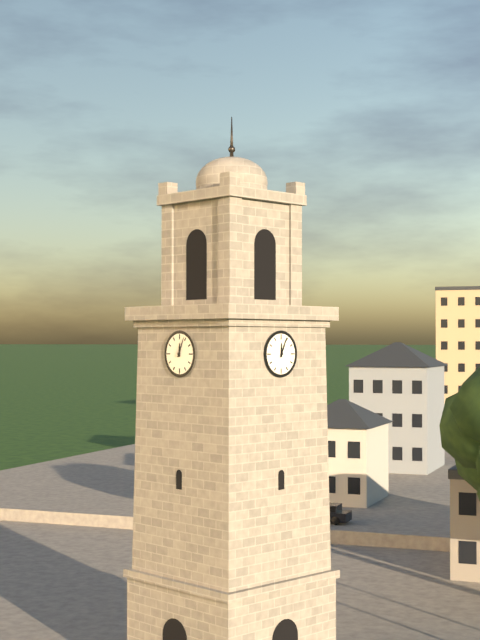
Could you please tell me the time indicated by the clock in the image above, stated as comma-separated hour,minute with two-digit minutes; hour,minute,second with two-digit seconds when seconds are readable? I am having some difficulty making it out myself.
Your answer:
12,04
